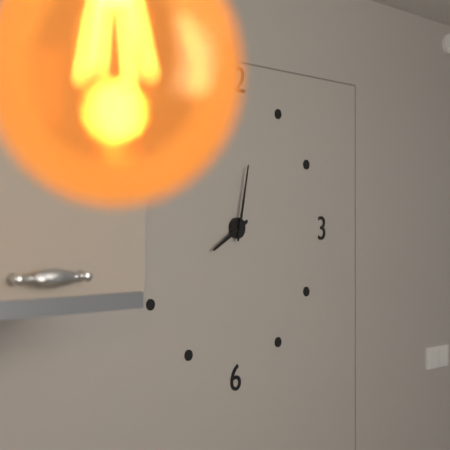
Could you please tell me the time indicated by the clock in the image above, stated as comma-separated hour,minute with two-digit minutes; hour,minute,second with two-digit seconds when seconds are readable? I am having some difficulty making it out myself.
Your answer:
8,02
